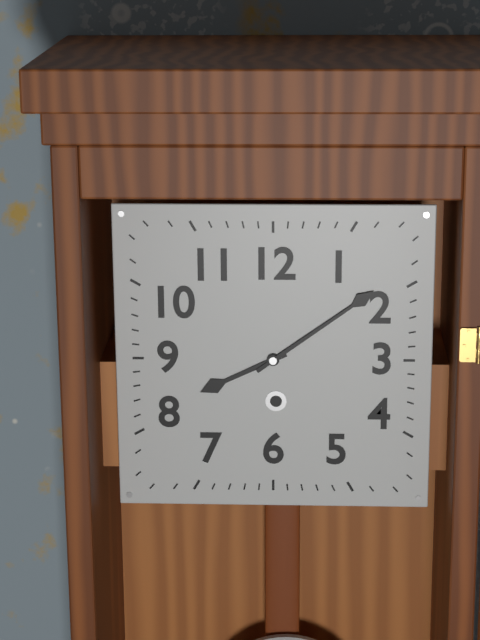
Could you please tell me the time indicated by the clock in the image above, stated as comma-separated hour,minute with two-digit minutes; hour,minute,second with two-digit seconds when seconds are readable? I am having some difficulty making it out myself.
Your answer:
8,09
